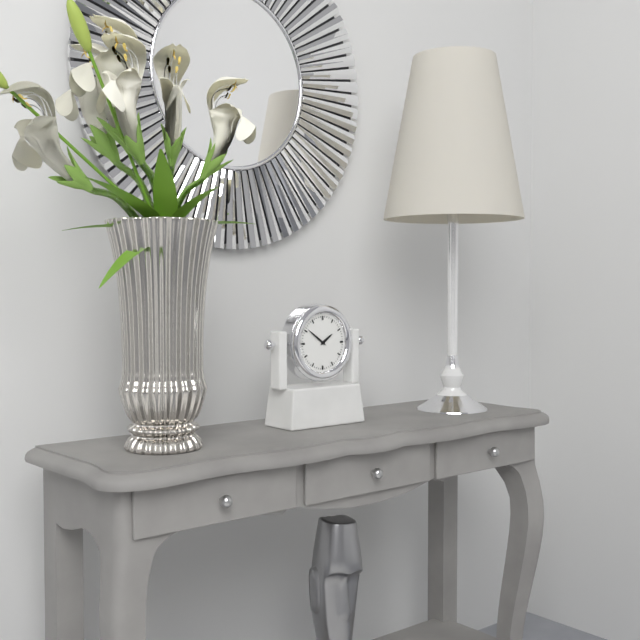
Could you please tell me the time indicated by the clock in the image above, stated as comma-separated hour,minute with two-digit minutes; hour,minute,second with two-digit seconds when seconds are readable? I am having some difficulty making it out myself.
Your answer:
1,51
